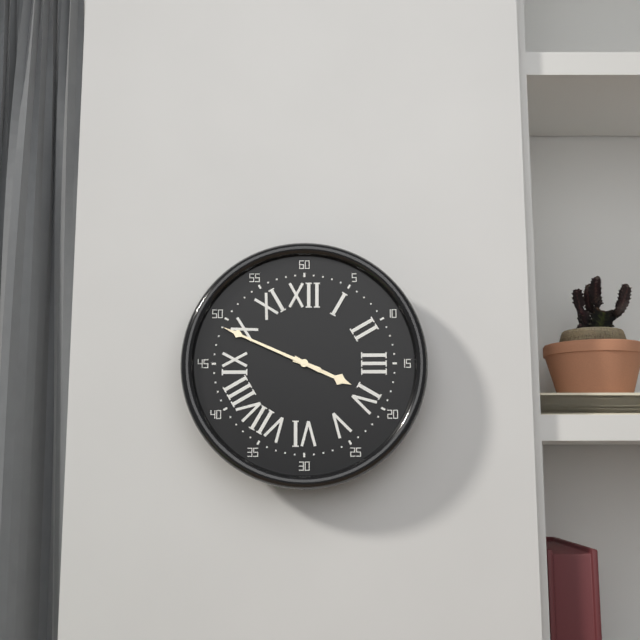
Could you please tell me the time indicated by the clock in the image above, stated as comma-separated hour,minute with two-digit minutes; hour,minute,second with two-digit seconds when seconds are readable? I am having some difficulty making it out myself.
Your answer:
3,49
